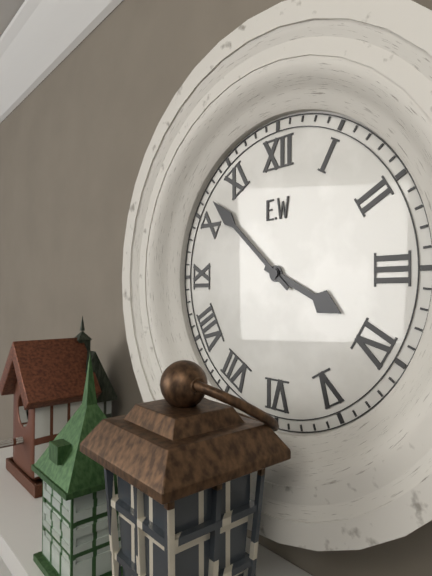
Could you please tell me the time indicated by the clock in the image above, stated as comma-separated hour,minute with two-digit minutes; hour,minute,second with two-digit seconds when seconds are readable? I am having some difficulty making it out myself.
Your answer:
3,52
